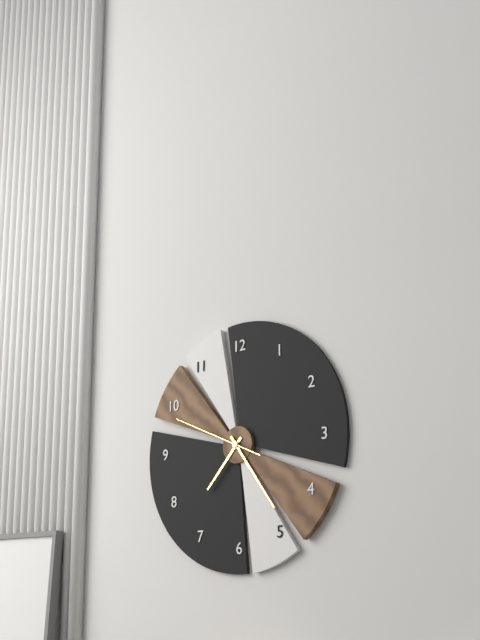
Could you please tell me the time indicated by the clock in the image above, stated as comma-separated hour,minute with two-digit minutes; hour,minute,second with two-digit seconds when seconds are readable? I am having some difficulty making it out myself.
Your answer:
7,24,49
